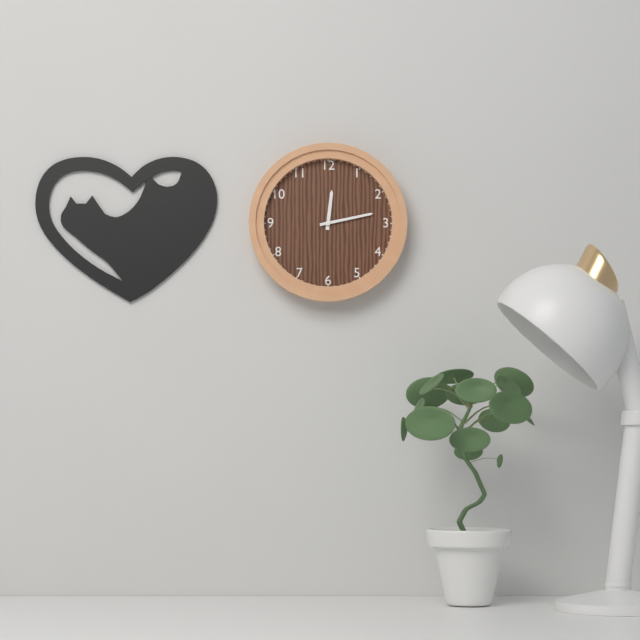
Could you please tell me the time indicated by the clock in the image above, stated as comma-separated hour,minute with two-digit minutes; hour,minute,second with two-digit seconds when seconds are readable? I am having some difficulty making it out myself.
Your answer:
12,13
